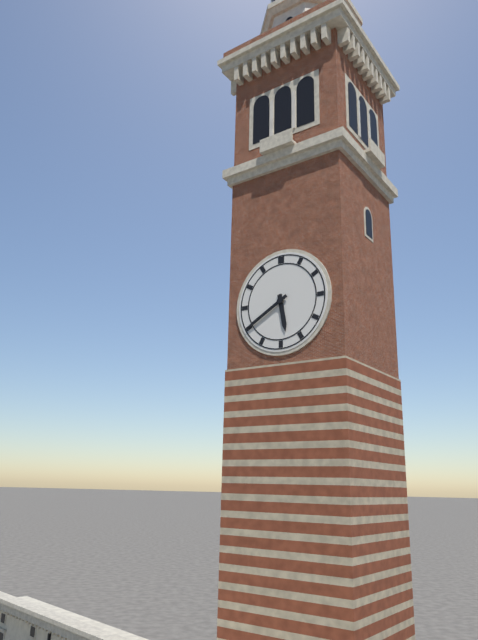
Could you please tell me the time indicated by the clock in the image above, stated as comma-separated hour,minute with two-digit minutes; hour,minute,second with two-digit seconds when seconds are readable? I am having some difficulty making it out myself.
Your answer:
5,40
